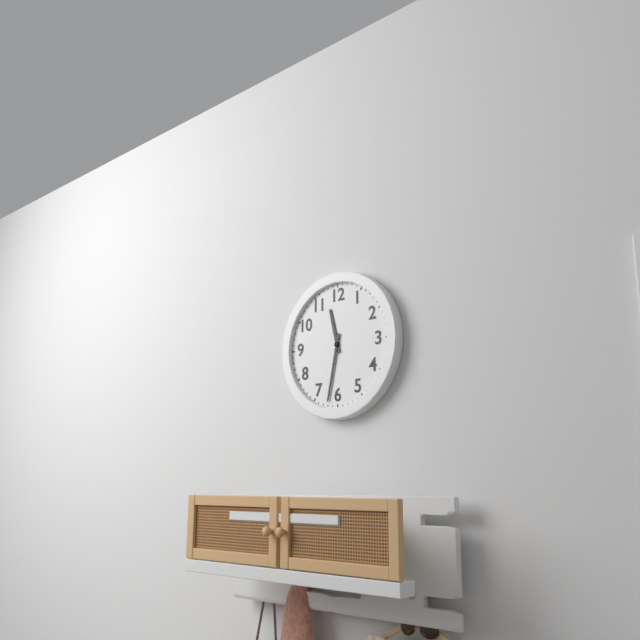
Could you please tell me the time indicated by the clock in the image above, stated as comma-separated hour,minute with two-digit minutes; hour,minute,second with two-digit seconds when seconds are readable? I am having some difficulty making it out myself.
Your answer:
11,32
